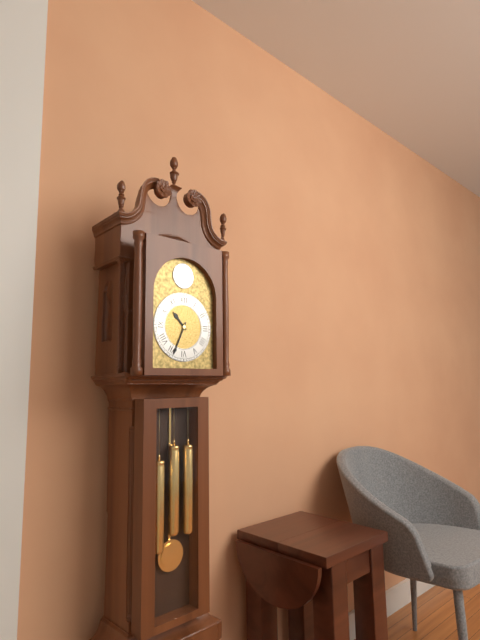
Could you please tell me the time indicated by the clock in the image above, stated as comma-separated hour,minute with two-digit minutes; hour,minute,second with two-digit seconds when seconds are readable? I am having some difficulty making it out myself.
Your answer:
10,34
